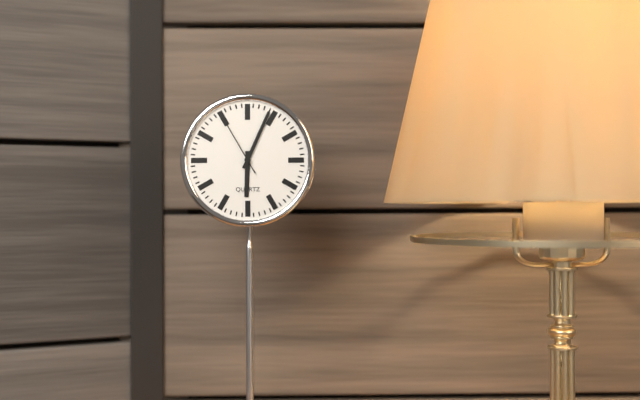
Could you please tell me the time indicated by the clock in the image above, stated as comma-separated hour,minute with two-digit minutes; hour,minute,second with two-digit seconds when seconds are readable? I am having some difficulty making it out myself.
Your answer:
6,04,55
